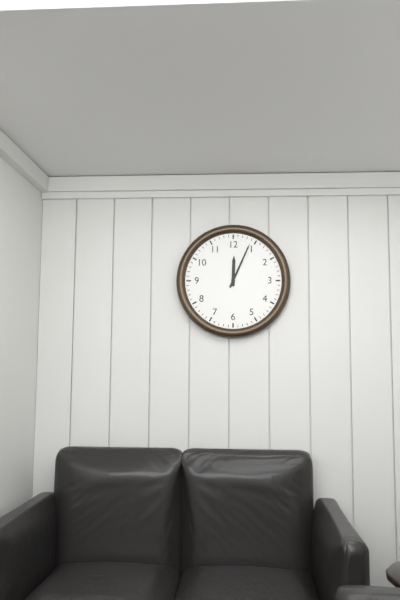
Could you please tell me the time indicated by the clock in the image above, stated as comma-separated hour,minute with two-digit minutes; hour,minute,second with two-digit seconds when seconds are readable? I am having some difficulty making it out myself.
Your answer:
12,04
